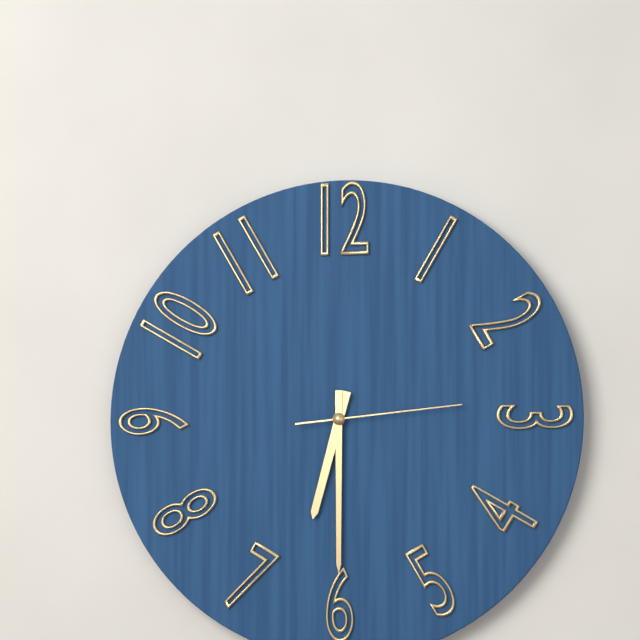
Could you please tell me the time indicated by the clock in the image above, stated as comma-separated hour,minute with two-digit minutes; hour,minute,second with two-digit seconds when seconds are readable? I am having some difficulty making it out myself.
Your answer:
6,30,14
